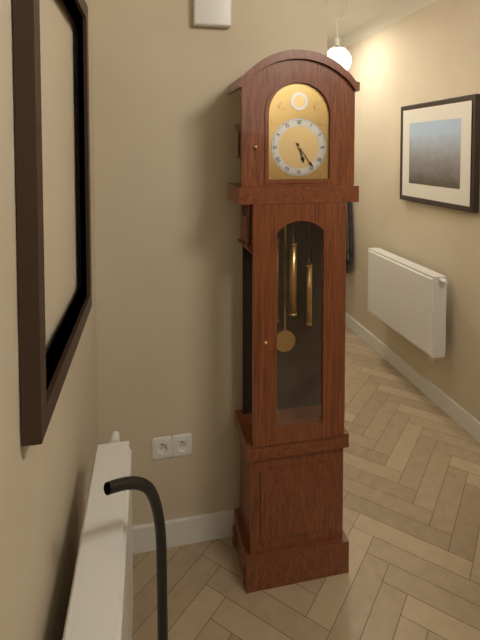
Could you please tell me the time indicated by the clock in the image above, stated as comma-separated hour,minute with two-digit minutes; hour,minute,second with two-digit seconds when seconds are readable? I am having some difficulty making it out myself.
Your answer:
5,24
